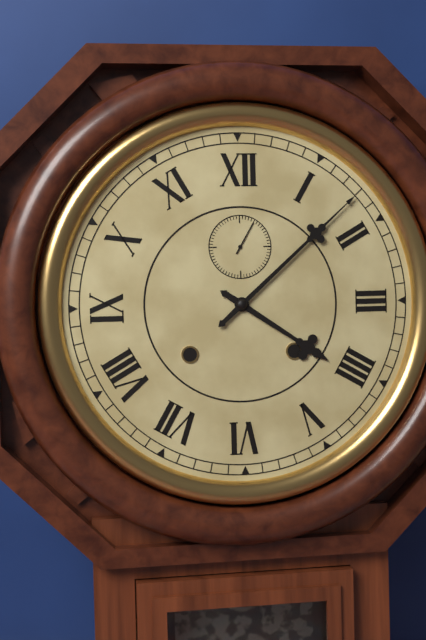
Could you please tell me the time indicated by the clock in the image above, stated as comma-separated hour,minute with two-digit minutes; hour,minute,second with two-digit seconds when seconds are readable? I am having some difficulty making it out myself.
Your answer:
4,08
